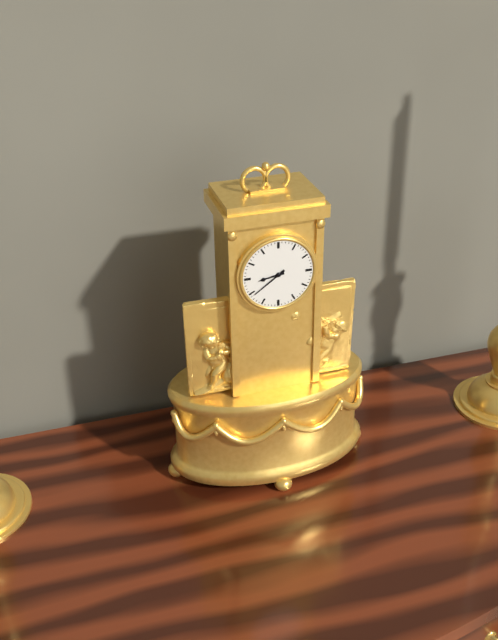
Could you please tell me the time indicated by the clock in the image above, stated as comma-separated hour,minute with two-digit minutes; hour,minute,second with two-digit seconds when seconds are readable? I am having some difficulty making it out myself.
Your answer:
8,39
